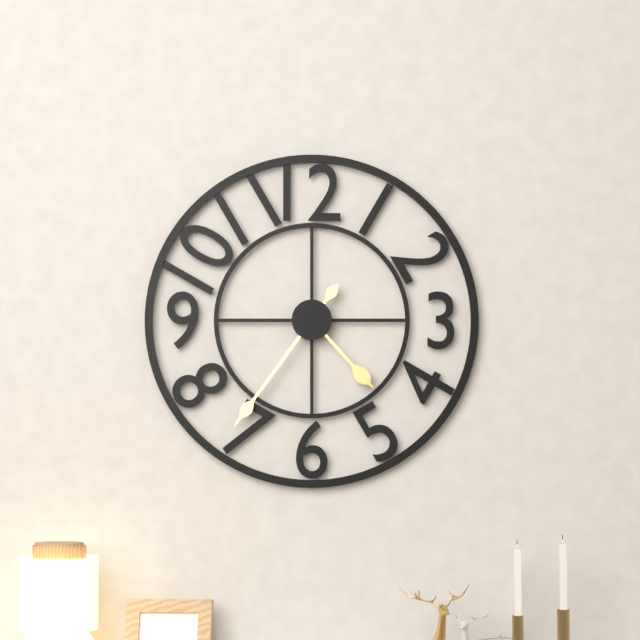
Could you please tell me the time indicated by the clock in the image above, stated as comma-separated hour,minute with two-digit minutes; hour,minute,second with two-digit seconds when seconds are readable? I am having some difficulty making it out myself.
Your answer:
4,36
